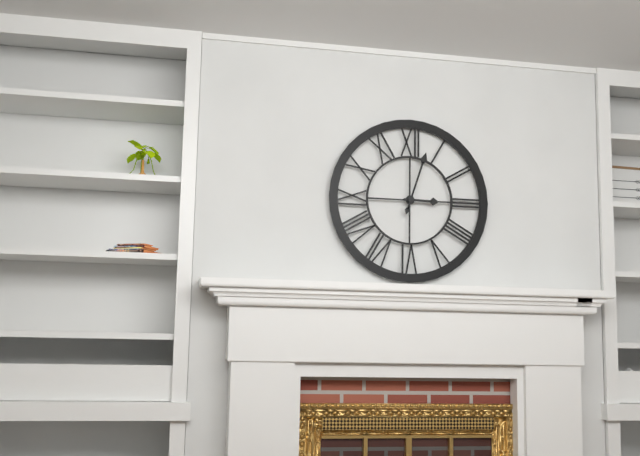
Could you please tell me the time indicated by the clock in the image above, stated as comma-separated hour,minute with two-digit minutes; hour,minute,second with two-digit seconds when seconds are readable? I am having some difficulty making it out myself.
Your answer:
3,03
